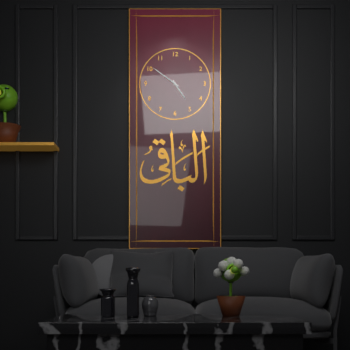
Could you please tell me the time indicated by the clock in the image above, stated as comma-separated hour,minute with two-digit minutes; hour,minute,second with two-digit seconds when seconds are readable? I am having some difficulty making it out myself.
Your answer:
4,51
